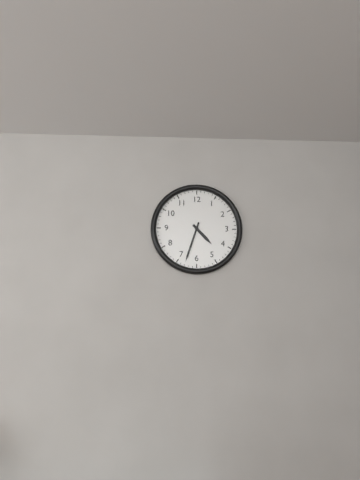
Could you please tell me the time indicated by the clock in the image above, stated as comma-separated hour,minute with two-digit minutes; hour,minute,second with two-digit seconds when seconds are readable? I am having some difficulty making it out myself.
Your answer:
4,33
